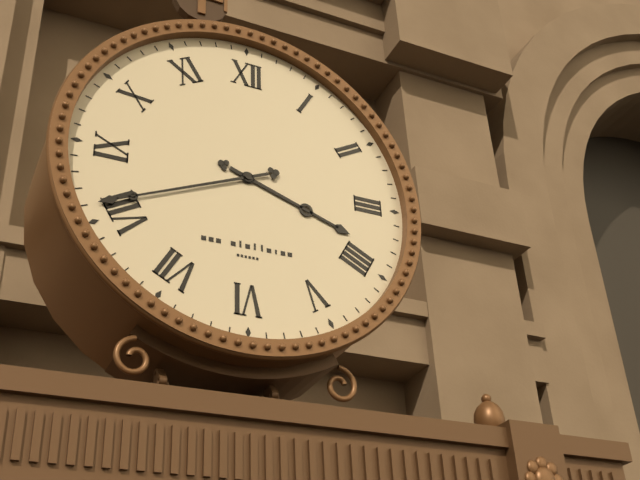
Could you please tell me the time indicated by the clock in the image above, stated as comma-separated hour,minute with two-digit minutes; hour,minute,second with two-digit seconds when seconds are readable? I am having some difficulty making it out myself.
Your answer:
3,41
